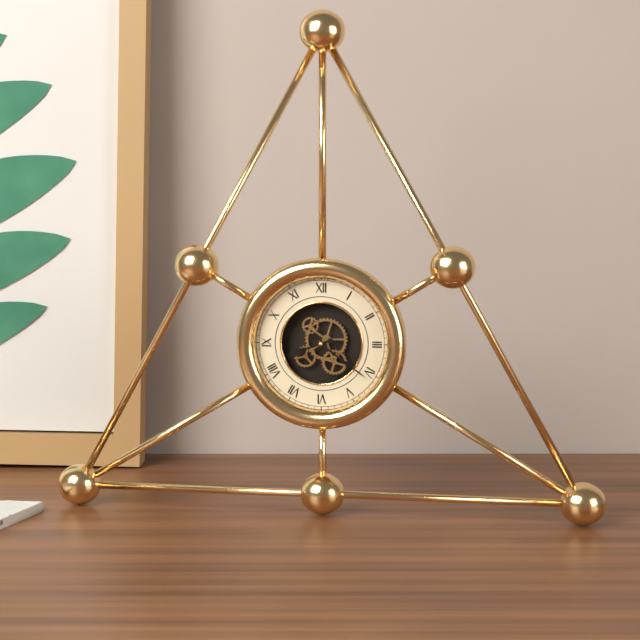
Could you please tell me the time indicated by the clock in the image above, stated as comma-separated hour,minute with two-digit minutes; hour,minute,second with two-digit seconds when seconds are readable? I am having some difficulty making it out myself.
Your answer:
8,21
